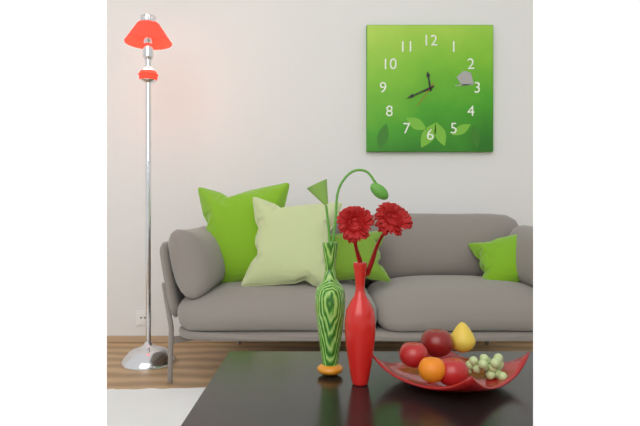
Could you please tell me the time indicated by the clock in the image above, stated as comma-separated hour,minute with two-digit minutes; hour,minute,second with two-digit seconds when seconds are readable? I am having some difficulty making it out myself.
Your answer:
11,41
